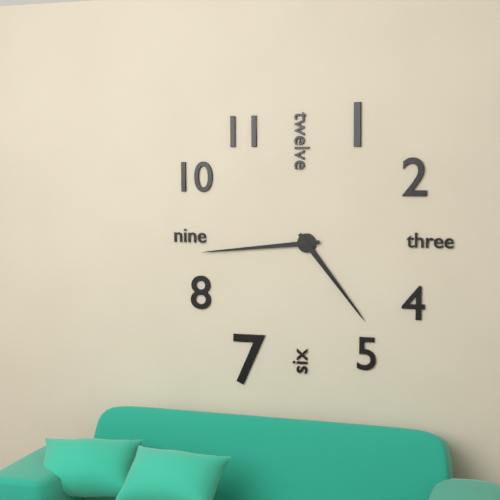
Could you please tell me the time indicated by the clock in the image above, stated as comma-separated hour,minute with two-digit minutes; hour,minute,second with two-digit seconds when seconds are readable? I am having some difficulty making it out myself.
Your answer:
4,44
